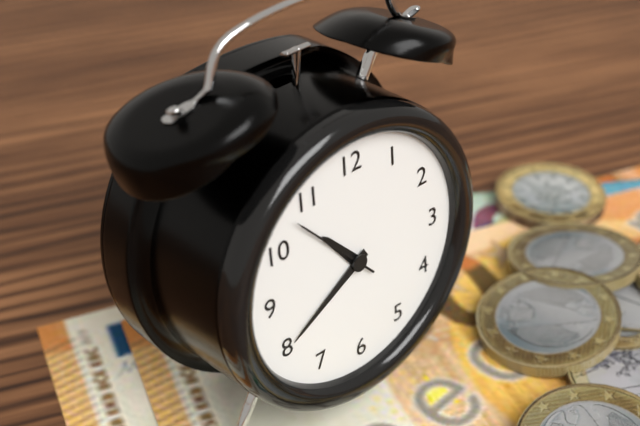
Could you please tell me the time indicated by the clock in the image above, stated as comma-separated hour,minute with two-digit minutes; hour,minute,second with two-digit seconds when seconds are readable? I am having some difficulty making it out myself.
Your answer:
10,40,53
